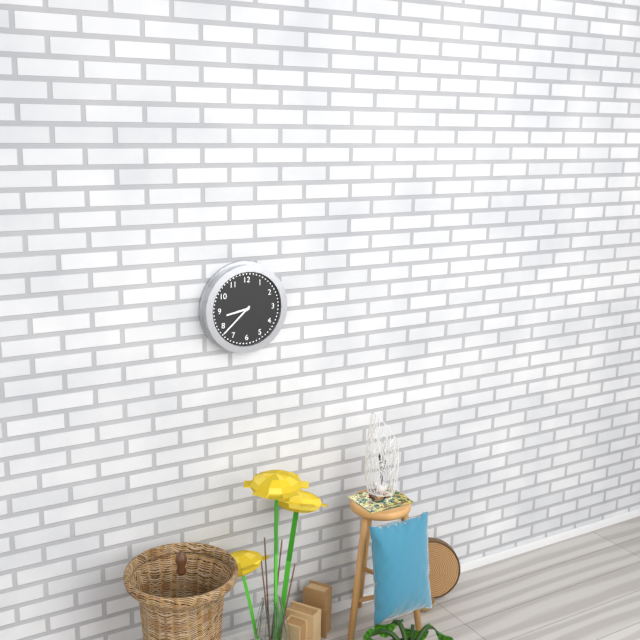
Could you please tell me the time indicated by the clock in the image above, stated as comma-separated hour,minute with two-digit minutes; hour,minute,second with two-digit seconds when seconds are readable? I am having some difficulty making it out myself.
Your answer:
8,38
